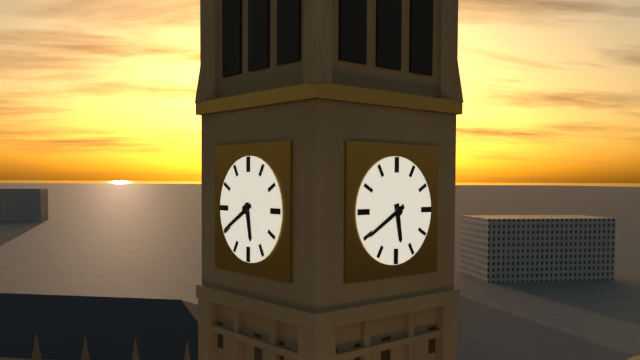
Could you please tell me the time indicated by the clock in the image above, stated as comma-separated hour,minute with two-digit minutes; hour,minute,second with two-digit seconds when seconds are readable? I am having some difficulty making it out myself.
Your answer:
5,40
